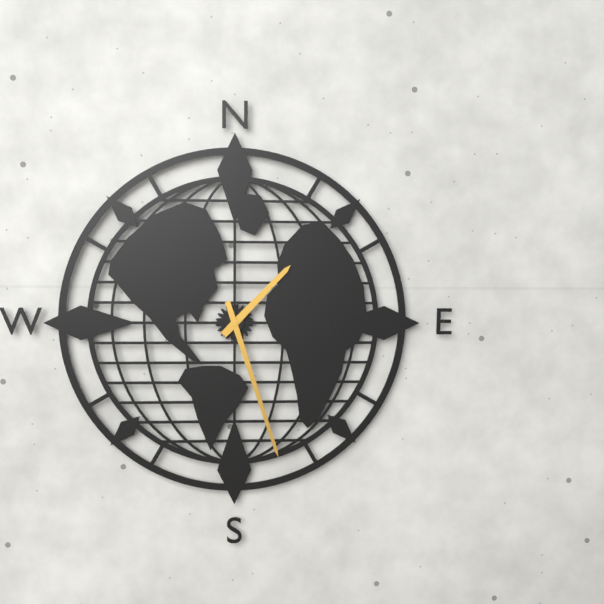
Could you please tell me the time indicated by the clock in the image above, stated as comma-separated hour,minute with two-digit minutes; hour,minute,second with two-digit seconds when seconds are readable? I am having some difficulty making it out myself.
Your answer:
1,27
